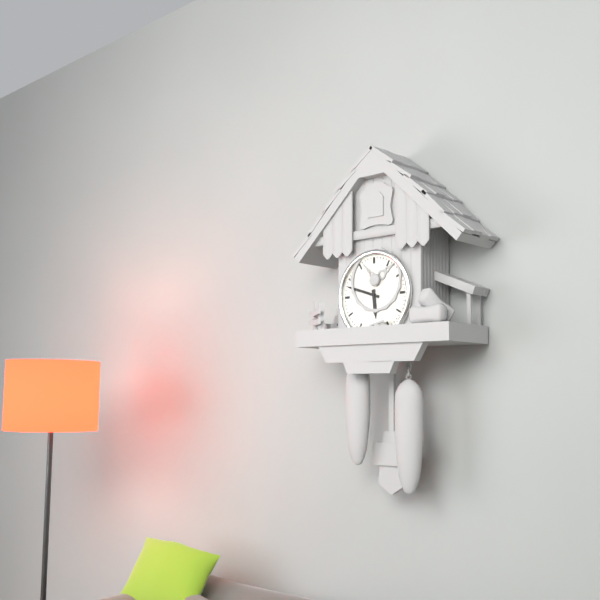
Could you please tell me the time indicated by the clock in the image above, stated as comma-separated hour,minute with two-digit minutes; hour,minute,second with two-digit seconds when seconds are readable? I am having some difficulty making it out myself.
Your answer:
5,48
